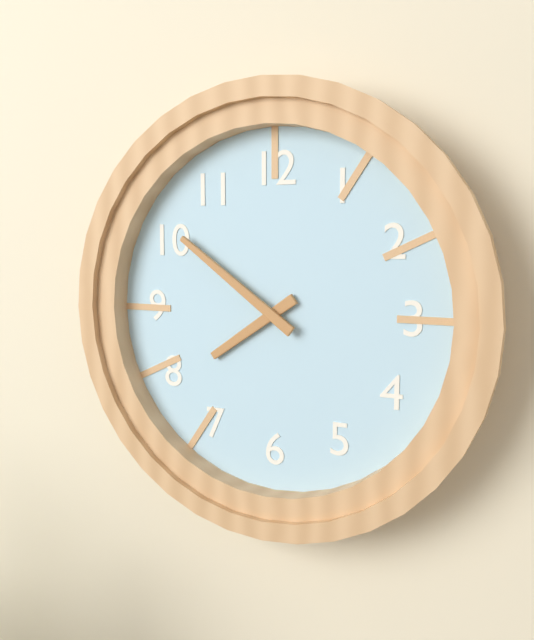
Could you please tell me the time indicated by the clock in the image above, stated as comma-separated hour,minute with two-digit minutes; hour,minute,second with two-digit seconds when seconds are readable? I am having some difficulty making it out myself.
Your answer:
7,51
